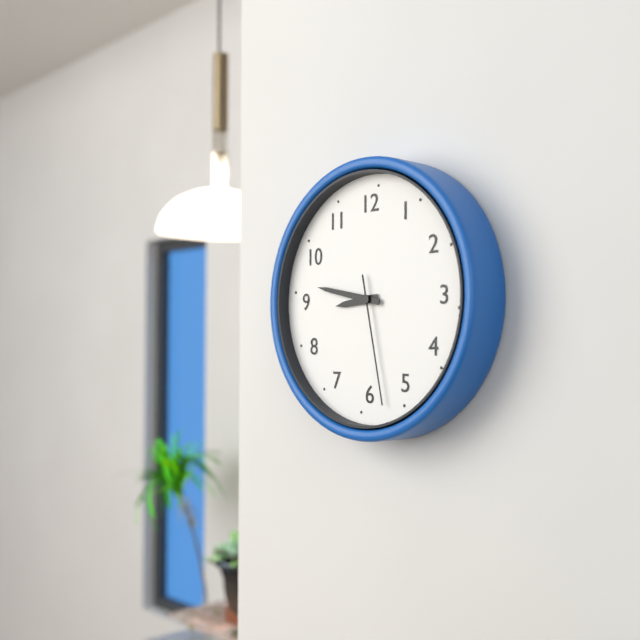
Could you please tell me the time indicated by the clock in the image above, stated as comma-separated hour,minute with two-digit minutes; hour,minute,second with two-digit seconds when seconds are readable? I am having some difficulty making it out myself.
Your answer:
8,47,28
